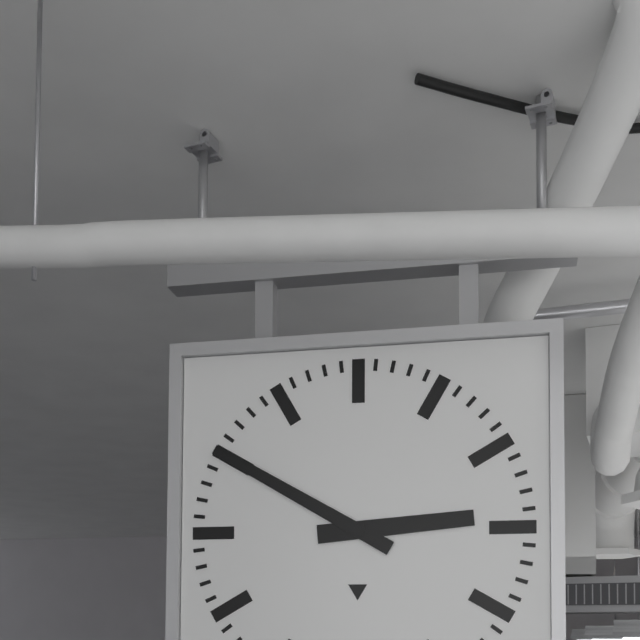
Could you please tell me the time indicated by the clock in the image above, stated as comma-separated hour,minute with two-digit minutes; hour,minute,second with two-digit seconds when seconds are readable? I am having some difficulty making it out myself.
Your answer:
2,50
